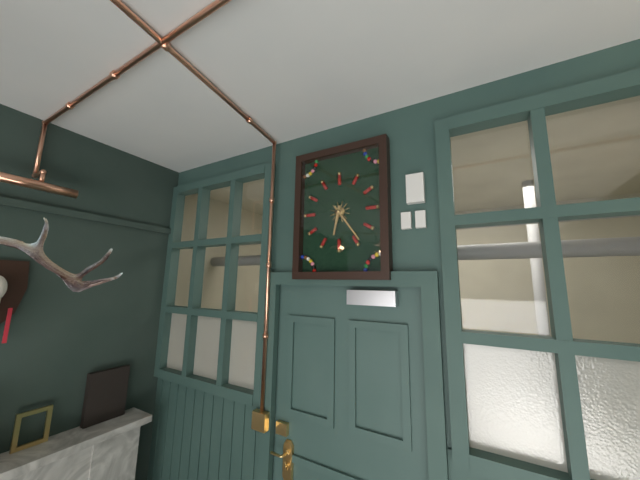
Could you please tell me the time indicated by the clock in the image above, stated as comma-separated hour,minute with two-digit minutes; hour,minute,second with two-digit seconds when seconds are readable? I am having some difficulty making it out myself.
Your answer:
6,24
